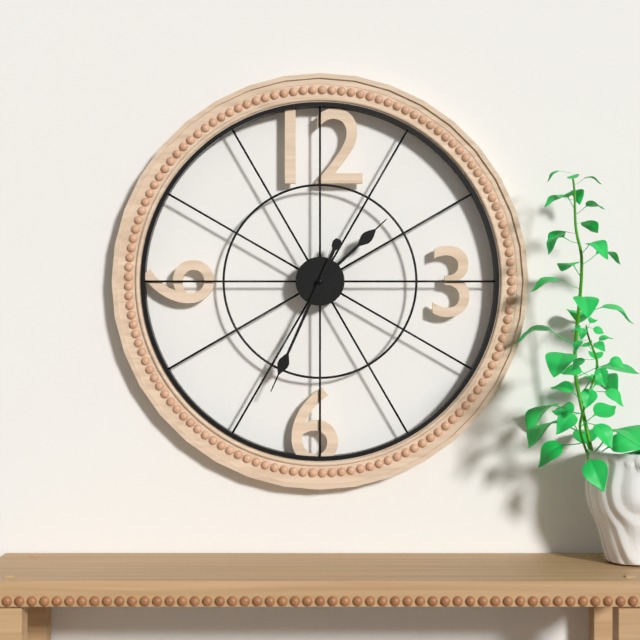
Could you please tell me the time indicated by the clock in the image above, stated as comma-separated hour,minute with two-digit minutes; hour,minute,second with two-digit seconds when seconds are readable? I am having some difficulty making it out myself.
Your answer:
1,34
